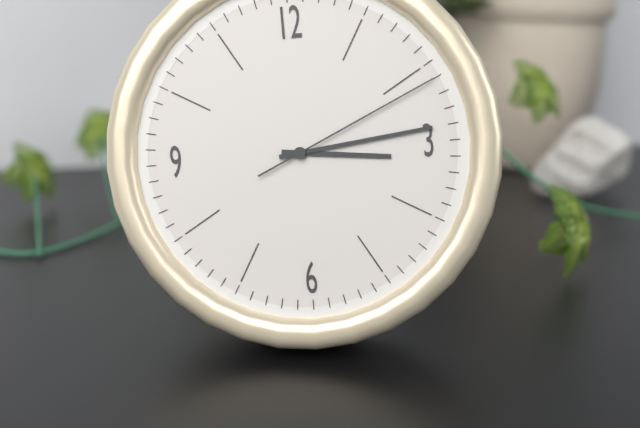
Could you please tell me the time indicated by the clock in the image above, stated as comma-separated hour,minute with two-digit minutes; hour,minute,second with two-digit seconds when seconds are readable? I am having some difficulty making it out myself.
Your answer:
3,14,11
